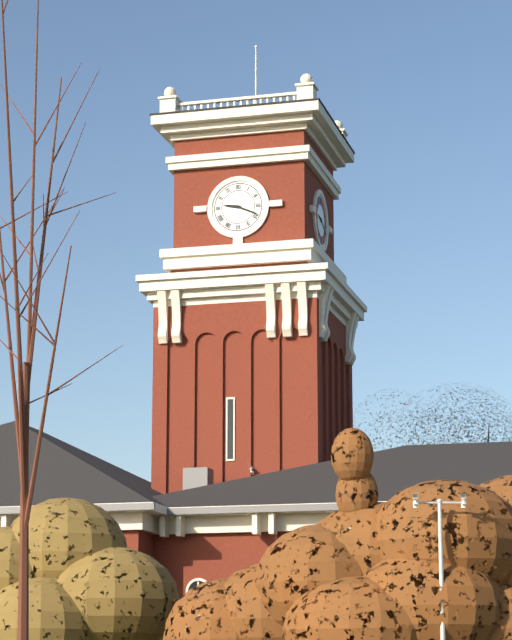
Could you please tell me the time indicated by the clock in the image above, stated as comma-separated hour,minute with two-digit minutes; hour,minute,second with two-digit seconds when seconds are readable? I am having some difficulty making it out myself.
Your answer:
9,19
